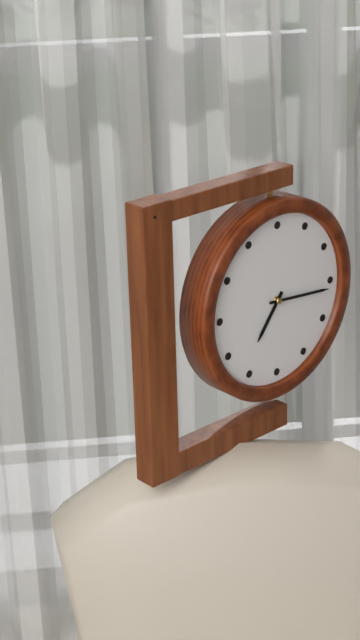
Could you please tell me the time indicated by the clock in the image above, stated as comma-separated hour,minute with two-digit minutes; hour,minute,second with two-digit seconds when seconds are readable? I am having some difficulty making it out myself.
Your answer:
7,16
